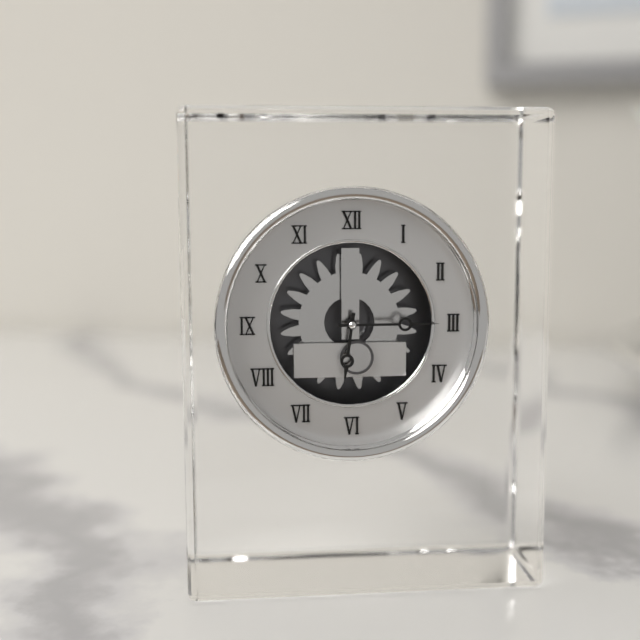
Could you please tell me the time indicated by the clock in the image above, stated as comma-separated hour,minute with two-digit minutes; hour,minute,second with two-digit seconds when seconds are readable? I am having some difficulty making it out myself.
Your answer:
6,15
